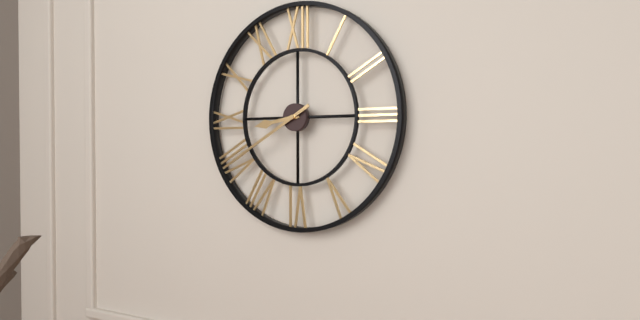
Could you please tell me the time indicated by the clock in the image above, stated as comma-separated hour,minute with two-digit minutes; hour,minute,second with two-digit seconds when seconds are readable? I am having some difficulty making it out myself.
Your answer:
8,40
